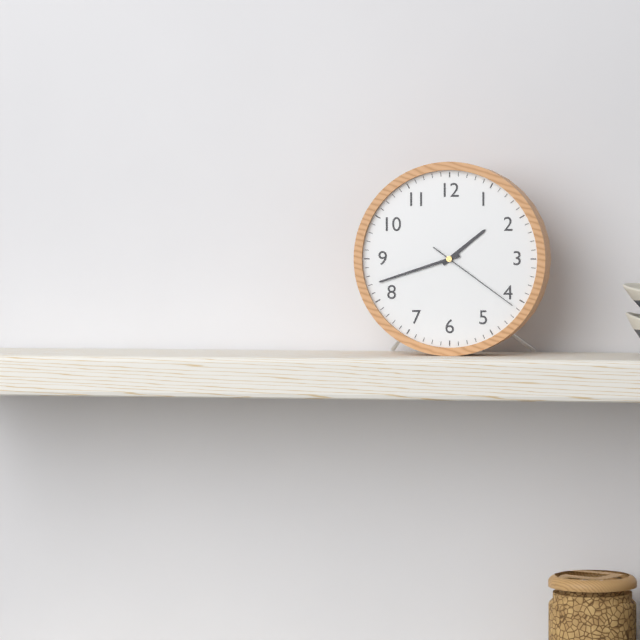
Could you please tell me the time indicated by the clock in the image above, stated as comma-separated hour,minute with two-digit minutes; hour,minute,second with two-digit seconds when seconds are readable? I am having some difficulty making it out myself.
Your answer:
1,42,21
